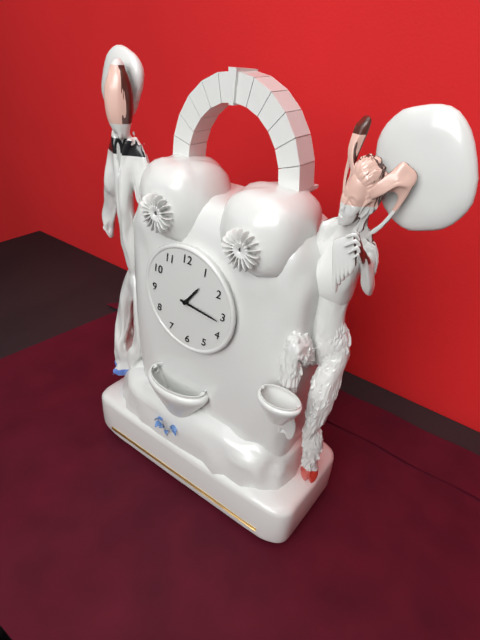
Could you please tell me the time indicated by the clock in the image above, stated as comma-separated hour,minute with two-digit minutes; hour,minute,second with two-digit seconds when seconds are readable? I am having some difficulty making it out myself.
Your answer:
1,16
